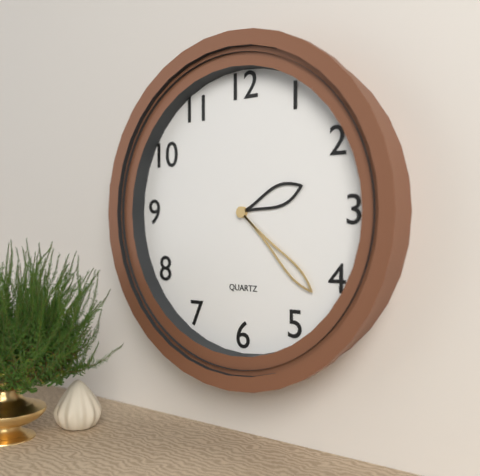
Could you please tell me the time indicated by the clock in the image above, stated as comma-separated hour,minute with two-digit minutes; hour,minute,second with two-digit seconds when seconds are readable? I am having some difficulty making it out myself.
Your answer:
2,22
